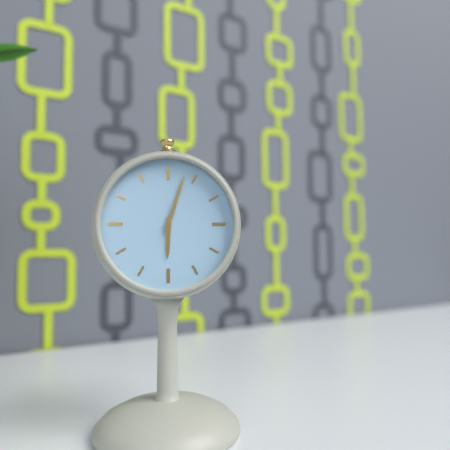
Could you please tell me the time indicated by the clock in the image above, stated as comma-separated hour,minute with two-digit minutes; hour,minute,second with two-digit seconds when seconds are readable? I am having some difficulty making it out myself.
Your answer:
6,03
